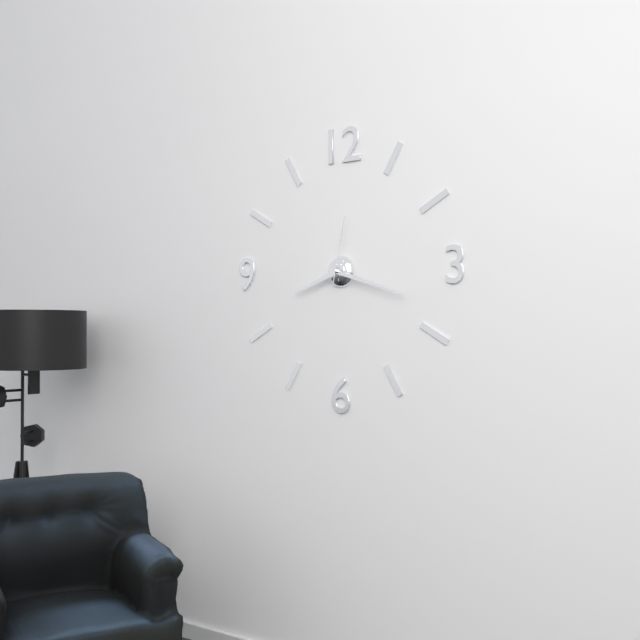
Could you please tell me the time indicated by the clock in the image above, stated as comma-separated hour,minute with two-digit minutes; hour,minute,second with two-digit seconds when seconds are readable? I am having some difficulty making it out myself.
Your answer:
8,18,02
